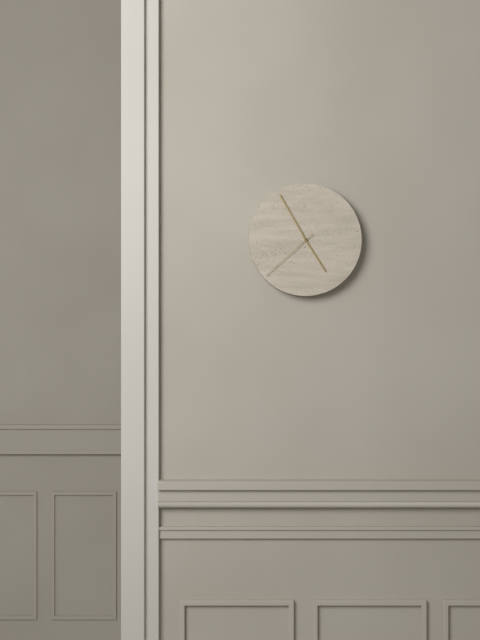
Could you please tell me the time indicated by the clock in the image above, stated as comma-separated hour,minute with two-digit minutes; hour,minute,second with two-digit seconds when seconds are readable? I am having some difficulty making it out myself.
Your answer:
4,55,38
